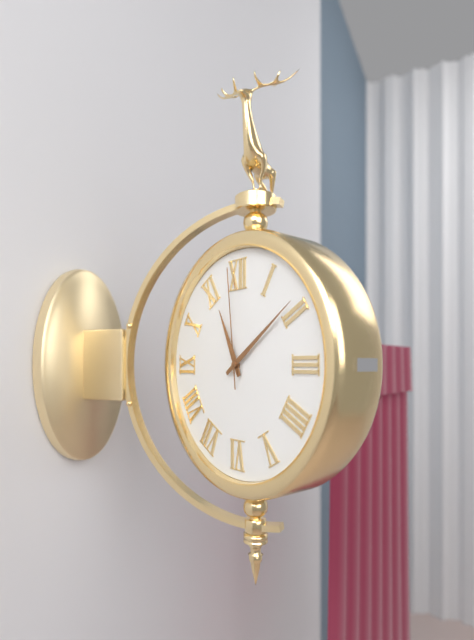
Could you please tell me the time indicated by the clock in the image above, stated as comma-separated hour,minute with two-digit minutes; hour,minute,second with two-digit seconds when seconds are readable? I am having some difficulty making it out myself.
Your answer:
11,09,59
